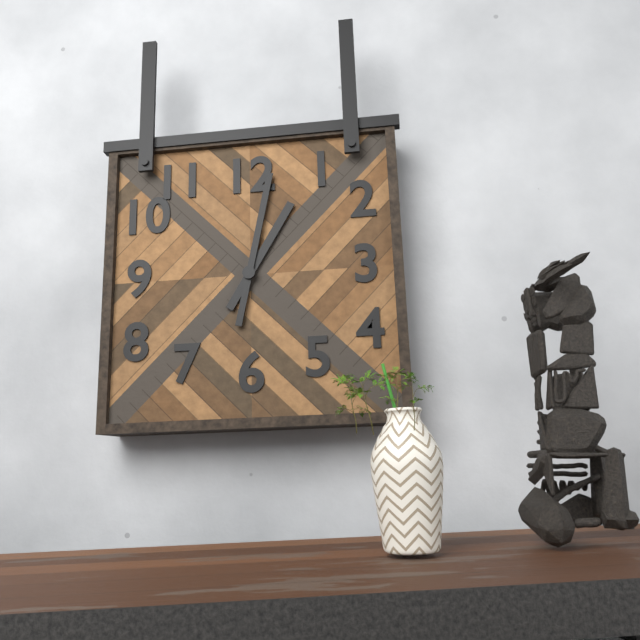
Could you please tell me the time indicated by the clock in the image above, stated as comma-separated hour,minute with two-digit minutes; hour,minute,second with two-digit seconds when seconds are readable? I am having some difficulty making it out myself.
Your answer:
1,02
